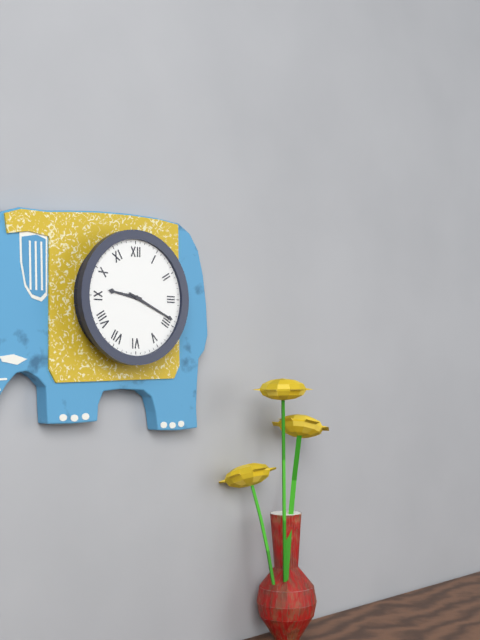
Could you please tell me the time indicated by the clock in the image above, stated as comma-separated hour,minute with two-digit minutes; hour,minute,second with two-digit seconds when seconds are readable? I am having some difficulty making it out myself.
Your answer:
9,19
